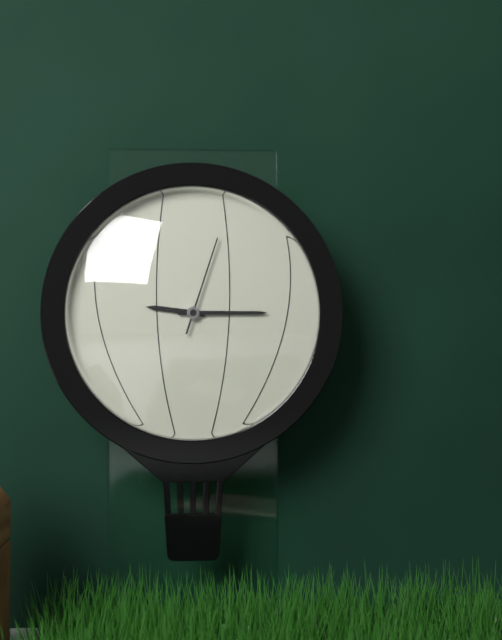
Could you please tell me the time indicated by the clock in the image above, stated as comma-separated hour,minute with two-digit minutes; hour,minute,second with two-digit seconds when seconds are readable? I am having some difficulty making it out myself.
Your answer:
9,15,03
